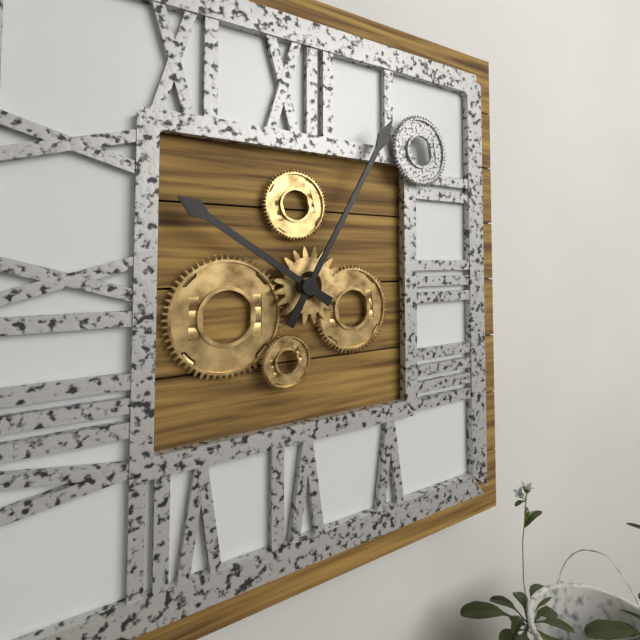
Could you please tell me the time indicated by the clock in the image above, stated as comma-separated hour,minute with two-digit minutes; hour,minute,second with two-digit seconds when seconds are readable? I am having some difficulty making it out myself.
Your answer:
10,05
